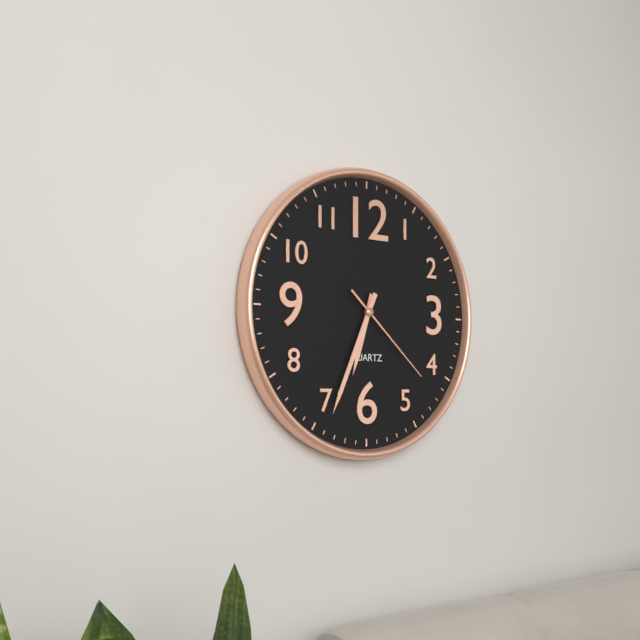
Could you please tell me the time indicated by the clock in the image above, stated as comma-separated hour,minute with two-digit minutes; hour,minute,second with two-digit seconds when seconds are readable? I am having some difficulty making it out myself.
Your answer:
6,34,22
